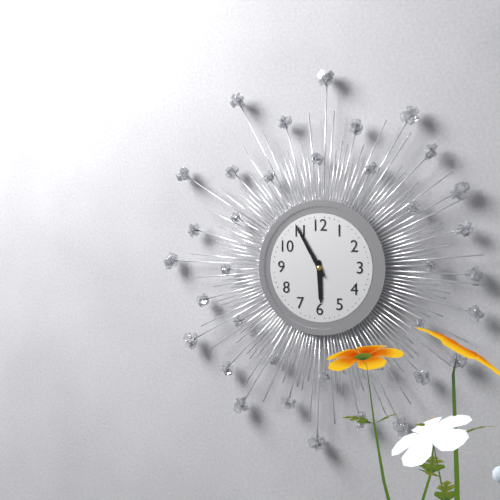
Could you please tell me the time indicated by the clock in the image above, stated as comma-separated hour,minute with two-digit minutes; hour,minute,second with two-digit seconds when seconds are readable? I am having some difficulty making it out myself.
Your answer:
5,55
